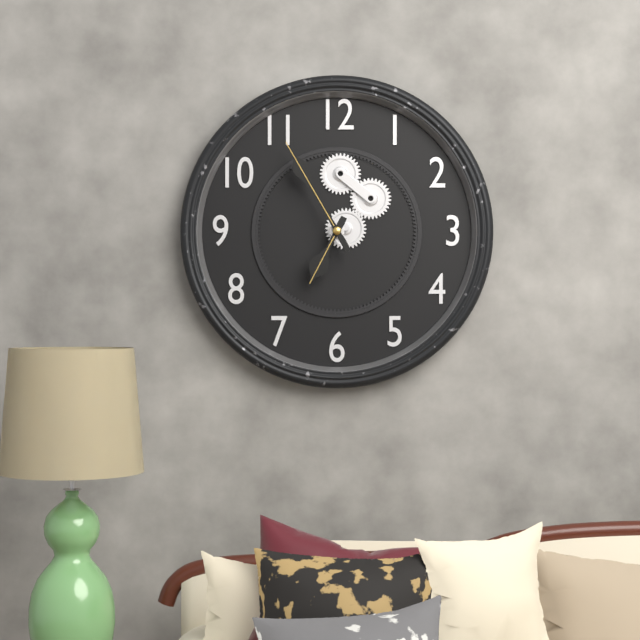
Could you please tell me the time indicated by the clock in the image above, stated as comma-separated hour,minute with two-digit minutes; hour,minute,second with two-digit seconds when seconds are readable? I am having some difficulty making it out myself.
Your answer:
6,55
